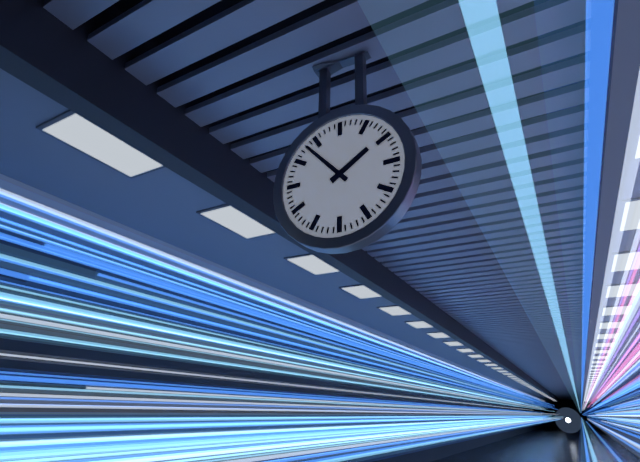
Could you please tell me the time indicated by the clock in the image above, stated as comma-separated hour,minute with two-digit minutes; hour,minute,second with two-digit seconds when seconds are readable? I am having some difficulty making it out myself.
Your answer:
1,53
